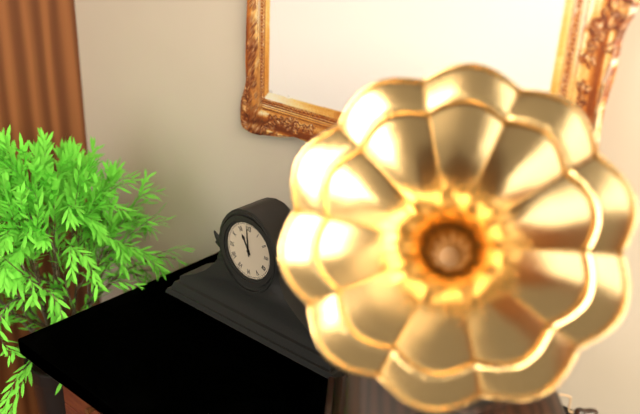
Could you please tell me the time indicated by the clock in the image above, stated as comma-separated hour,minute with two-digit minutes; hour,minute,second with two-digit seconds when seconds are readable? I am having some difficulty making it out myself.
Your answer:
10,59
